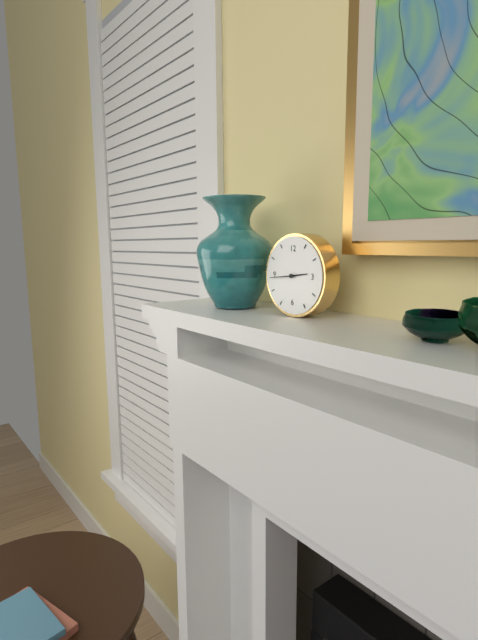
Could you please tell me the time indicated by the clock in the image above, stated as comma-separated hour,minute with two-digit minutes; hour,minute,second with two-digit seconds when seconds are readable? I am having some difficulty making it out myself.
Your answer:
2,44
